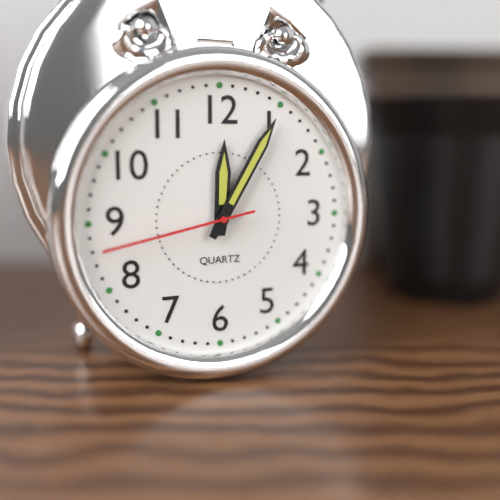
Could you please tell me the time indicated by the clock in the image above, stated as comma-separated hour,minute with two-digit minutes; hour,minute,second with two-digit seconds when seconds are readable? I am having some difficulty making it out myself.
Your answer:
12,05,43
